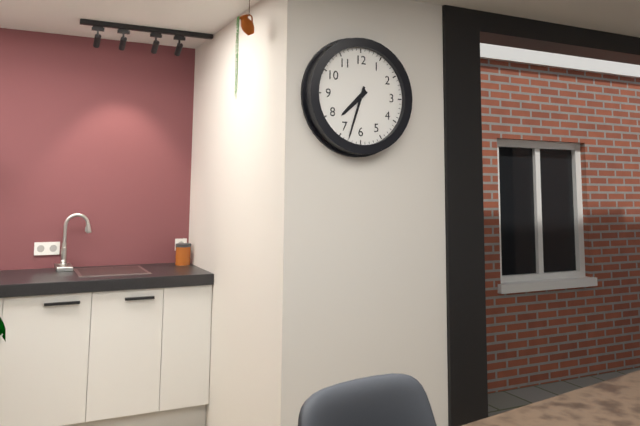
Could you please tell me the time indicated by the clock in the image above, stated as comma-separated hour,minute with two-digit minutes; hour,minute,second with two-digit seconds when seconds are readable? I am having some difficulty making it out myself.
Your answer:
7,33
